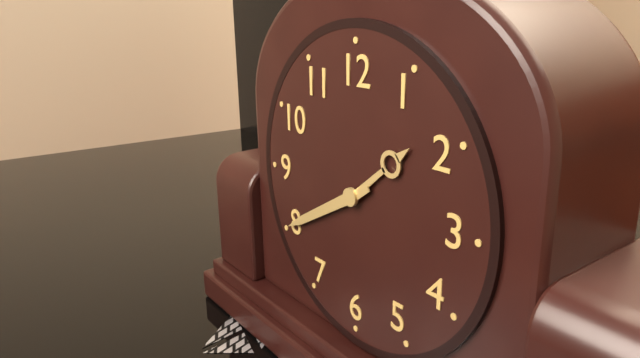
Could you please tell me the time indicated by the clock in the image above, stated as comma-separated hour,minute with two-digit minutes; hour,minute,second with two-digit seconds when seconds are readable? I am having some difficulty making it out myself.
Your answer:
1,40
